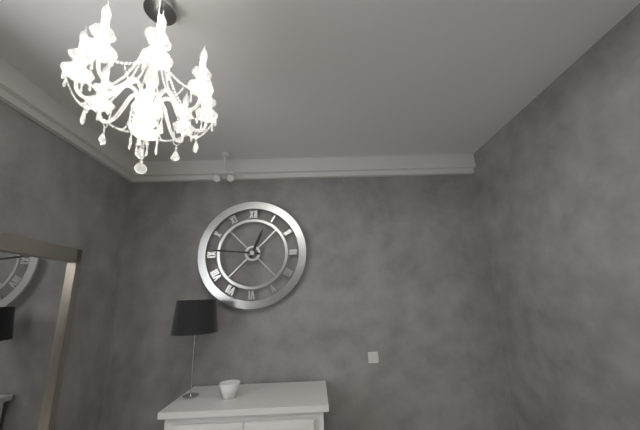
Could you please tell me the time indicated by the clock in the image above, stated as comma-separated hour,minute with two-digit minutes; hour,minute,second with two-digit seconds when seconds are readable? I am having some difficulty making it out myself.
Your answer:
12,46
